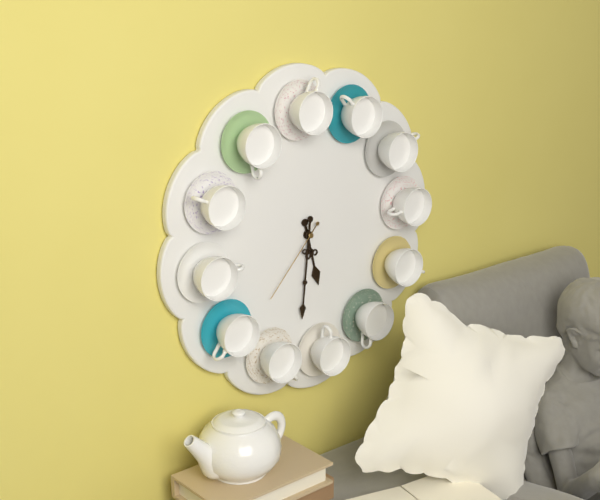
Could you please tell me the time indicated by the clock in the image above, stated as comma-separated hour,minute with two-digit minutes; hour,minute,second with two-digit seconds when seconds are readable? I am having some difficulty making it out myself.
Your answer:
5,31,37
